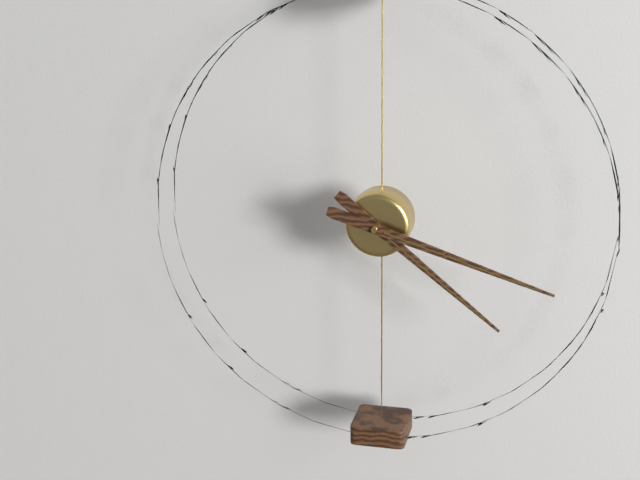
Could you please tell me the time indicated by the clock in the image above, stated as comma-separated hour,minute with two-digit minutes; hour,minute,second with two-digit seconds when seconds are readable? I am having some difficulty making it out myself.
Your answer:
4,18
